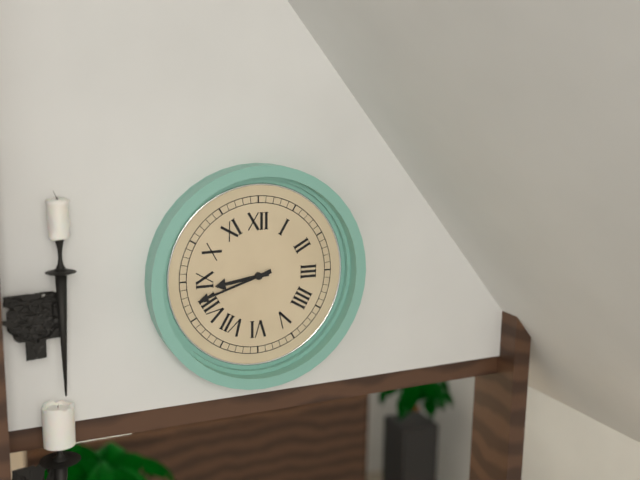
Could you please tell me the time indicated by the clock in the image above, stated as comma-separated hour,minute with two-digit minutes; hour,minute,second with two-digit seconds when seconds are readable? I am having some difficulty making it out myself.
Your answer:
8,42
